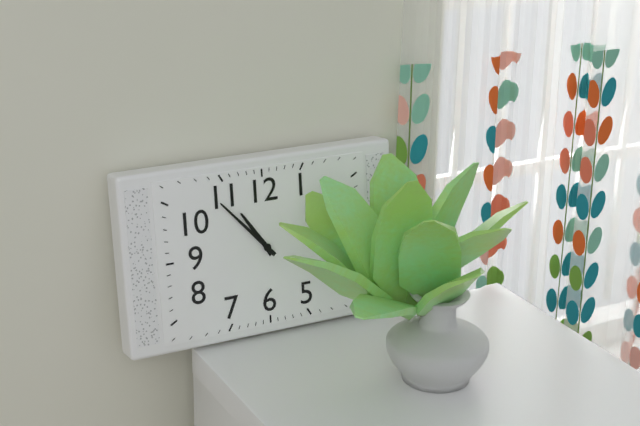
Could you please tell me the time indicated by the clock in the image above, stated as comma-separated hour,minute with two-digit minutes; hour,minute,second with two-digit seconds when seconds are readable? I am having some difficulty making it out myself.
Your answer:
10,53
